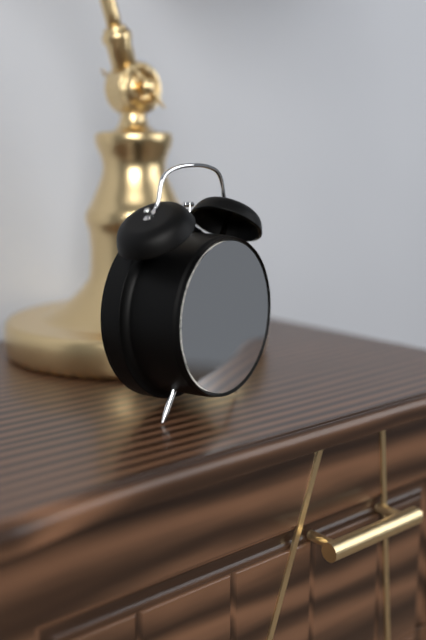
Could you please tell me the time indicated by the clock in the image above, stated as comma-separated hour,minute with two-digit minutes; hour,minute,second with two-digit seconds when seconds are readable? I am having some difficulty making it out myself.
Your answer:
4,01
